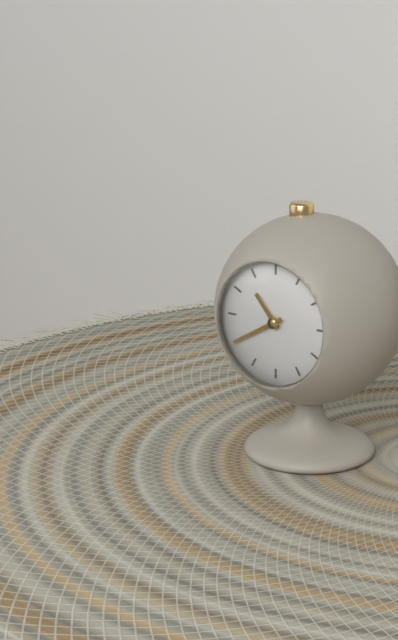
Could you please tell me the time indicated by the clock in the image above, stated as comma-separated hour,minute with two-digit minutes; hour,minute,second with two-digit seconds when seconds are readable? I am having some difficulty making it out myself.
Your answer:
10,40
